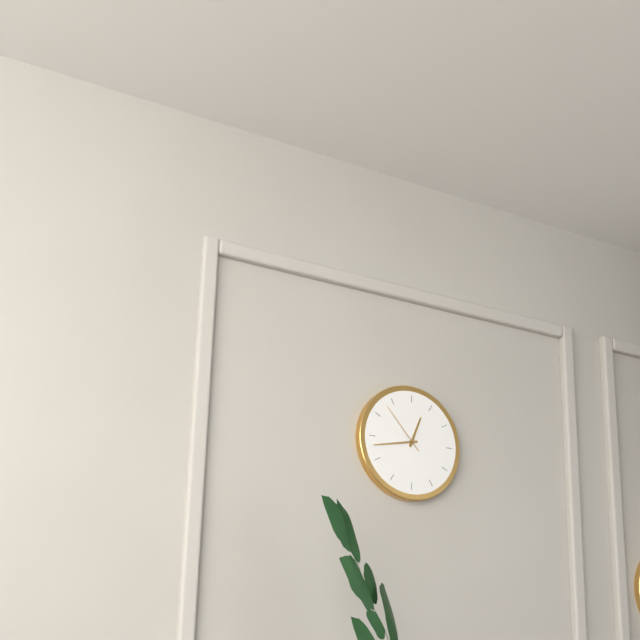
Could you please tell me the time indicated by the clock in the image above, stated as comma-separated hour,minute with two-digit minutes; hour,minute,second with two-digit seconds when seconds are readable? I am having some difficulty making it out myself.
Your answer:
12,43,53
